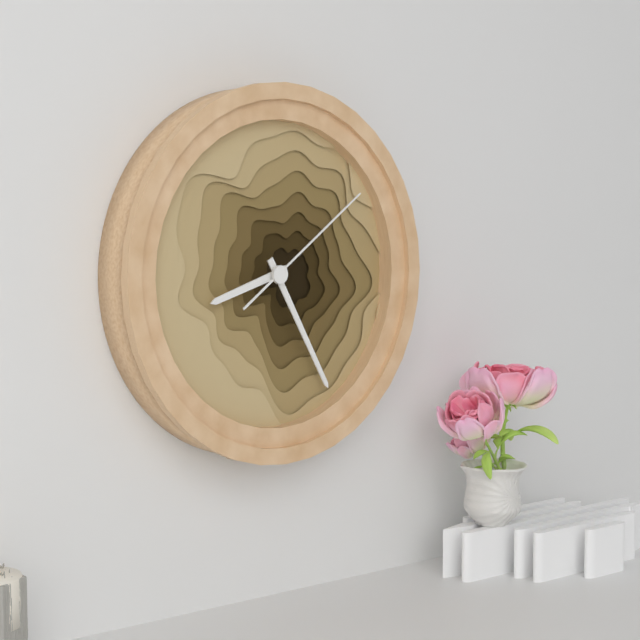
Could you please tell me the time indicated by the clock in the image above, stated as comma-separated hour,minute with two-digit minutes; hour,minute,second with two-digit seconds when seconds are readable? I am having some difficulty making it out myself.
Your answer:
8,25,09
